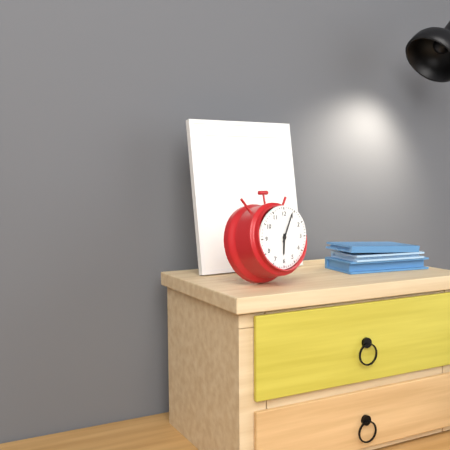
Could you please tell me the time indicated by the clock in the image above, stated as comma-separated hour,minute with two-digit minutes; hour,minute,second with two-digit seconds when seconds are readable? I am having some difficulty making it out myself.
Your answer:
6,04
